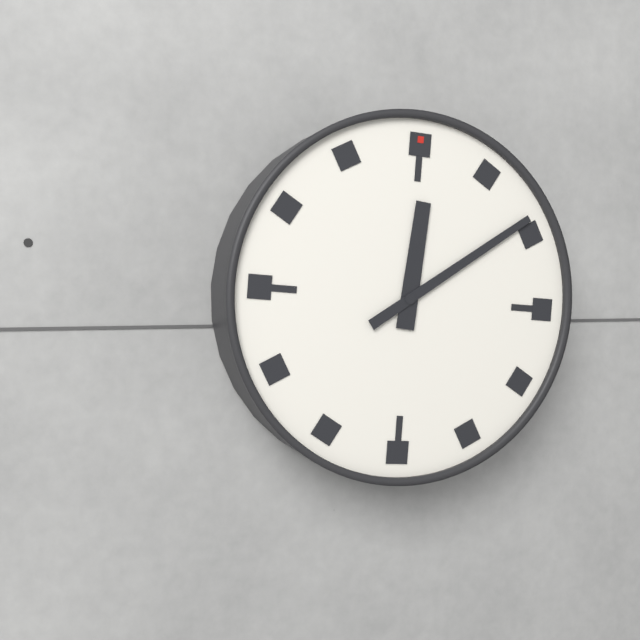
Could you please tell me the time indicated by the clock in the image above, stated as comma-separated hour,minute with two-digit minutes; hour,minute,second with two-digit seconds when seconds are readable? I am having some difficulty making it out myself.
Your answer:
12,09
